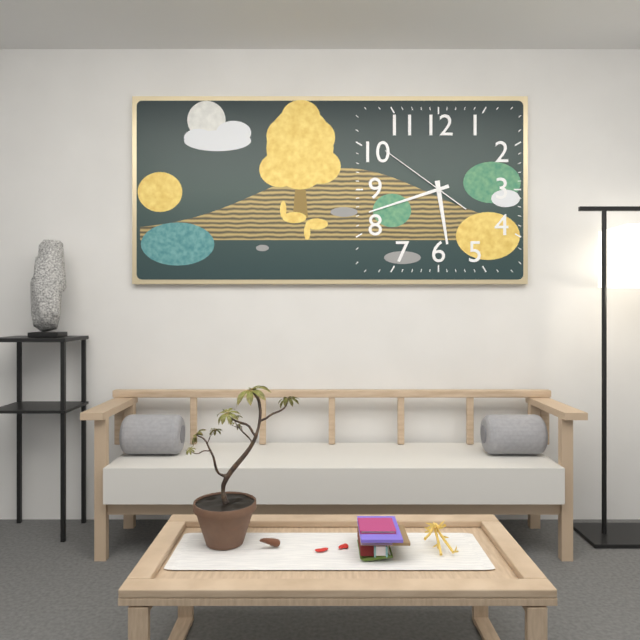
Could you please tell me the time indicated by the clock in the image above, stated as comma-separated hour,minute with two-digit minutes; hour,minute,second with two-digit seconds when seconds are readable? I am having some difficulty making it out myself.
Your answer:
5,42,51
